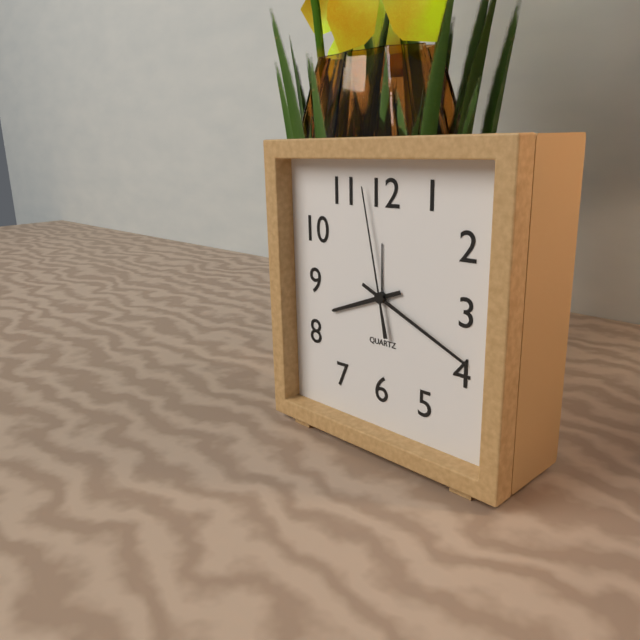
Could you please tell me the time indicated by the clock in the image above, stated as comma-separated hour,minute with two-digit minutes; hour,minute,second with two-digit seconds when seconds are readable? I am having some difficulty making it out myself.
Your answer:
8,19,58
